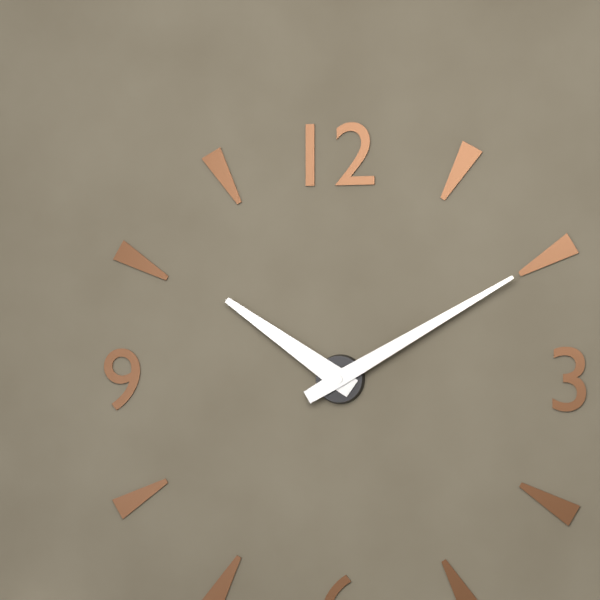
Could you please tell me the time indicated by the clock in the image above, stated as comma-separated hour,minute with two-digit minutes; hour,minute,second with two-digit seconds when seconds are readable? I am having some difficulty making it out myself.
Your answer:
10,10
